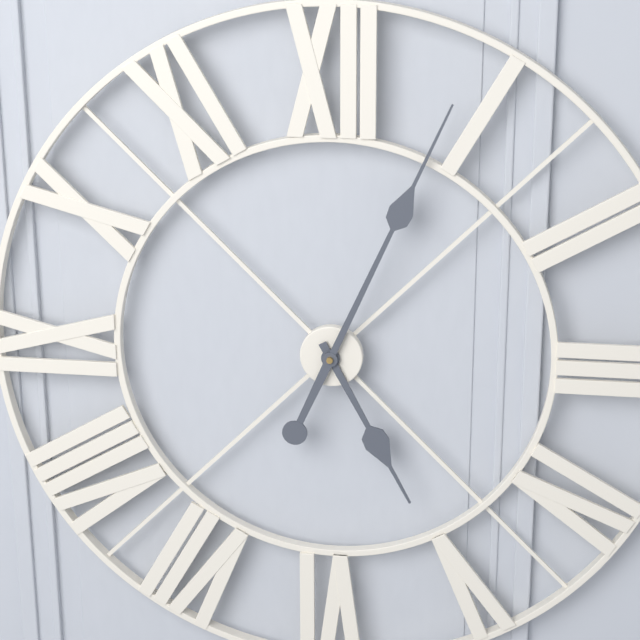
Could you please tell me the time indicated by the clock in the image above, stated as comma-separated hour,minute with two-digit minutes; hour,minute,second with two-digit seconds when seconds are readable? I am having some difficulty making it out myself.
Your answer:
5,04
